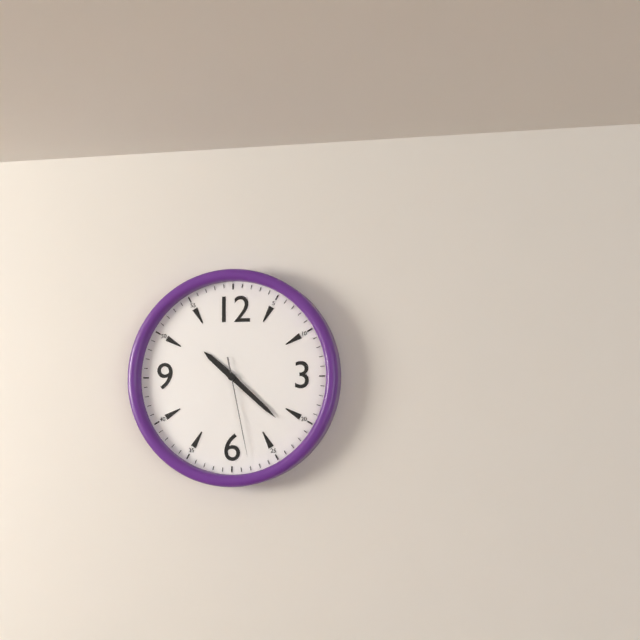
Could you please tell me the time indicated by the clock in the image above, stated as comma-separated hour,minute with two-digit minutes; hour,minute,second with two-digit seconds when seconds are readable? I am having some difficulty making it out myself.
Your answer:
10,22,28
